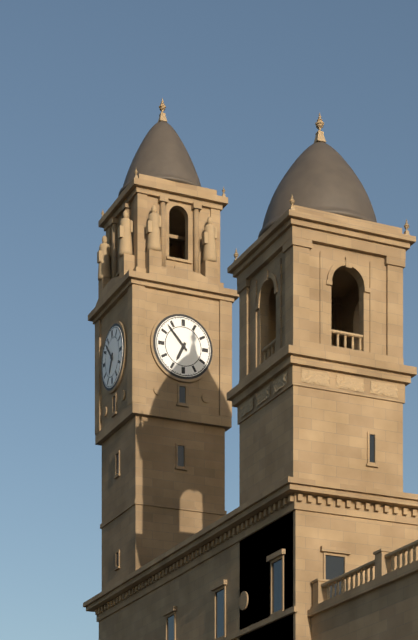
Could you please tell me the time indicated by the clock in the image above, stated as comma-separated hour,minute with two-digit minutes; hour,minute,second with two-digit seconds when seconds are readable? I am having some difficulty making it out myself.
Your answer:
6,53
